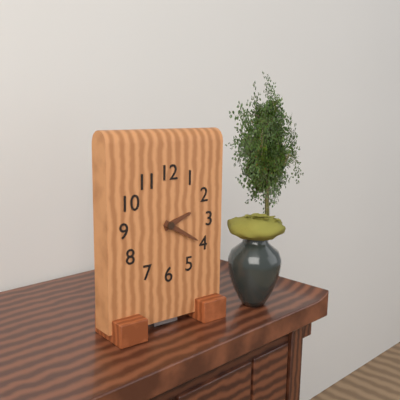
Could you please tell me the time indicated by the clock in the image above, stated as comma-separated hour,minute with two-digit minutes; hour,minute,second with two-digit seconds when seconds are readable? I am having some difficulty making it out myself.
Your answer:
2,20
